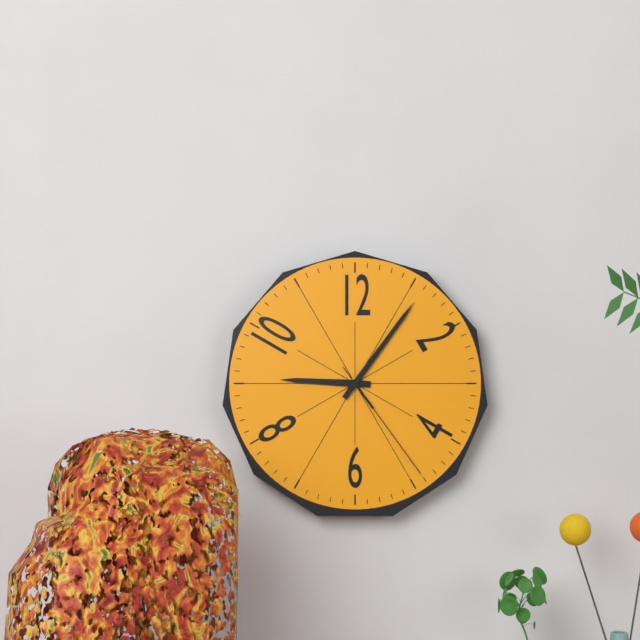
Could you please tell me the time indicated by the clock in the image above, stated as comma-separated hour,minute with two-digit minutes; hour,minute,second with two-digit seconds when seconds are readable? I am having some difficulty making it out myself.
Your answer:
9,06,24
